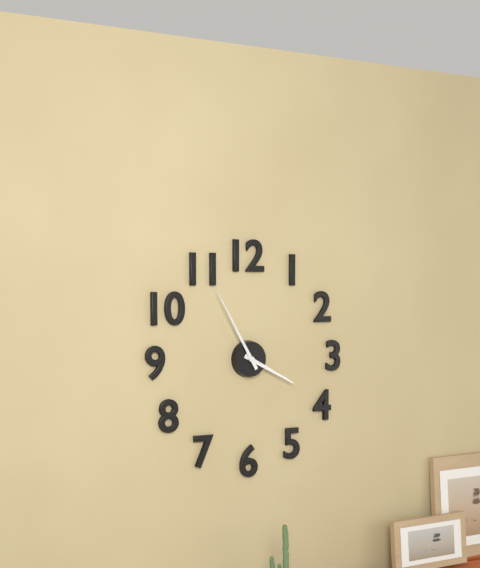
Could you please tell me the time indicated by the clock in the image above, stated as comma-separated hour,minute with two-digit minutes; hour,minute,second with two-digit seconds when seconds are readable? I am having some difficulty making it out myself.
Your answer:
3,55
